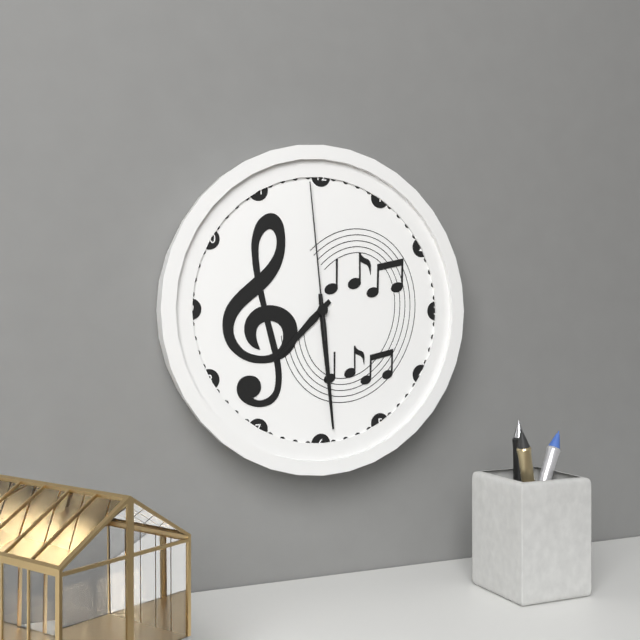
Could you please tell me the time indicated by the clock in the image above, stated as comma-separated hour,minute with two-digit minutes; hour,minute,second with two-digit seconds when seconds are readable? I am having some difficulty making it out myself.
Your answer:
7,29,59
